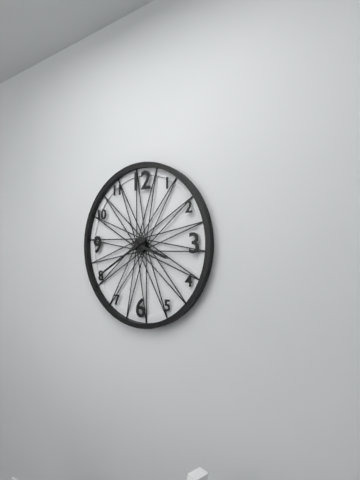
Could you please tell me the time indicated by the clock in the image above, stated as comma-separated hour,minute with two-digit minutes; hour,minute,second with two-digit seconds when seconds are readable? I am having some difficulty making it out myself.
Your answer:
3,40
